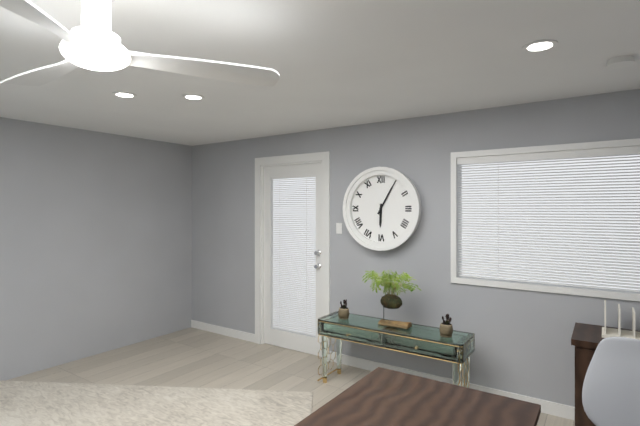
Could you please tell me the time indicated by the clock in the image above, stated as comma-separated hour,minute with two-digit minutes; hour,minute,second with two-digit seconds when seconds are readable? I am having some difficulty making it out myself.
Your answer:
6,05
